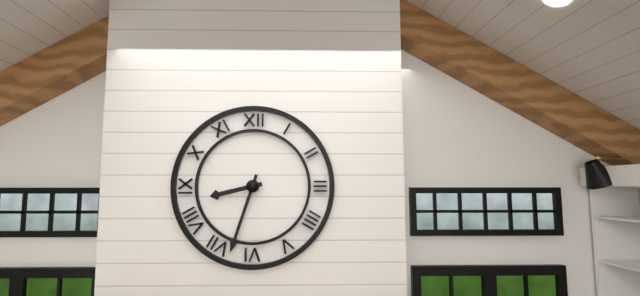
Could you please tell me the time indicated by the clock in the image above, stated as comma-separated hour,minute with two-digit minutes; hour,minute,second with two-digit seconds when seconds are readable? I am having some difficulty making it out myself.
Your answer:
8,33
